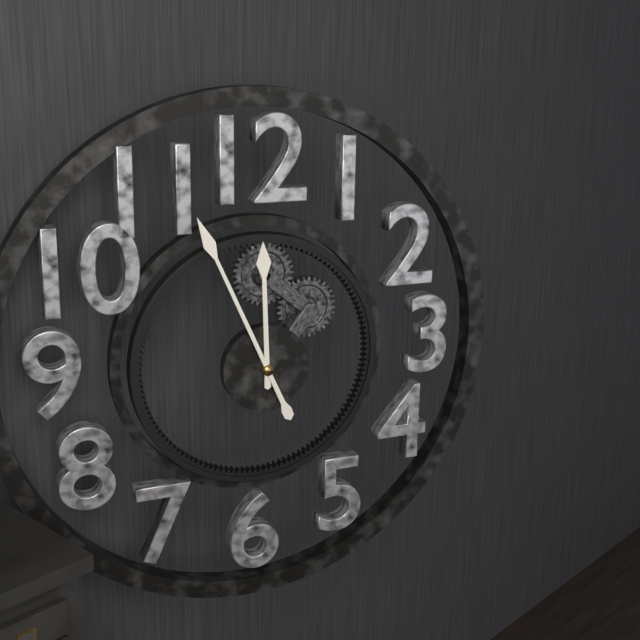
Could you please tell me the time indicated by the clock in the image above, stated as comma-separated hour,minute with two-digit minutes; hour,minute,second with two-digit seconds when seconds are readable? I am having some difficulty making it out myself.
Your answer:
11,56
